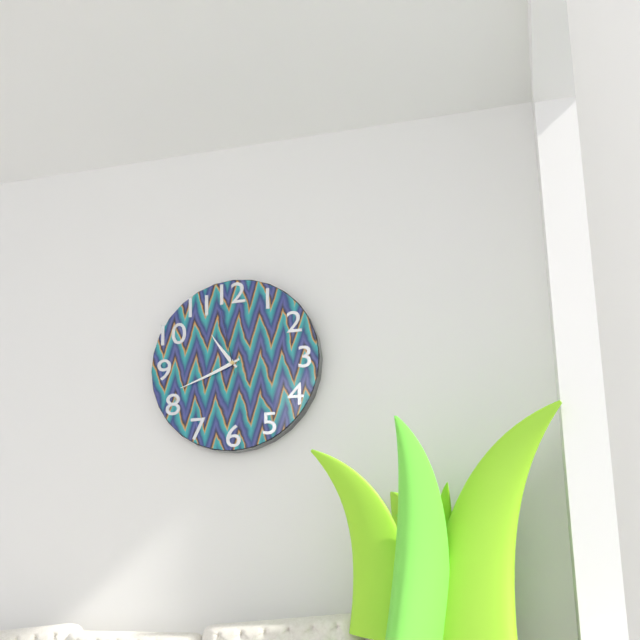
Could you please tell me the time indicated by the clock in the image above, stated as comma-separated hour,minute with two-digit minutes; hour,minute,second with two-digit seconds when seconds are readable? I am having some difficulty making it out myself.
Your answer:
10,41,58
